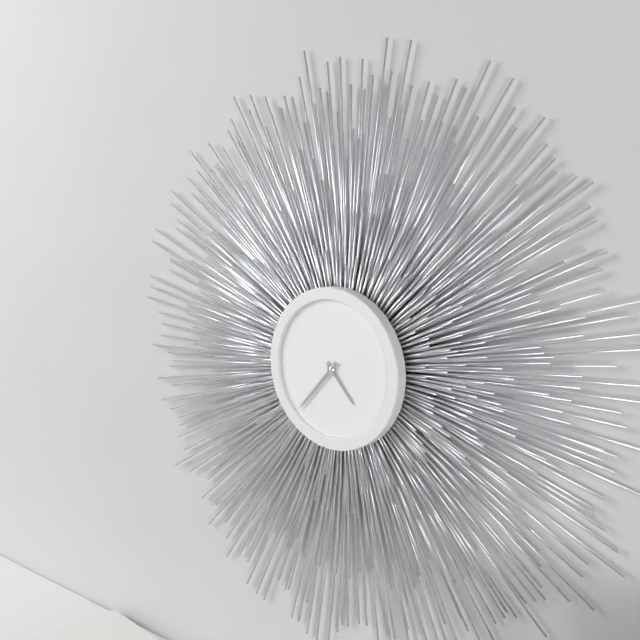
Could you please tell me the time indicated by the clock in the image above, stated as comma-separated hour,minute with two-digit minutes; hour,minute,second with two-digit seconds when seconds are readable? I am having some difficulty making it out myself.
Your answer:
4,37
